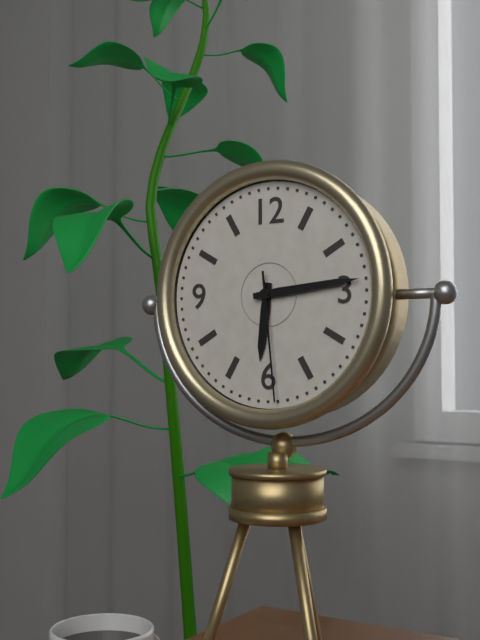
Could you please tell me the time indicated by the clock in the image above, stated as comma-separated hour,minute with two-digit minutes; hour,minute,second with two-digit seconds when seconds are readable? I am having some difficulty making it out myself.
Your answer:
6,14,29
